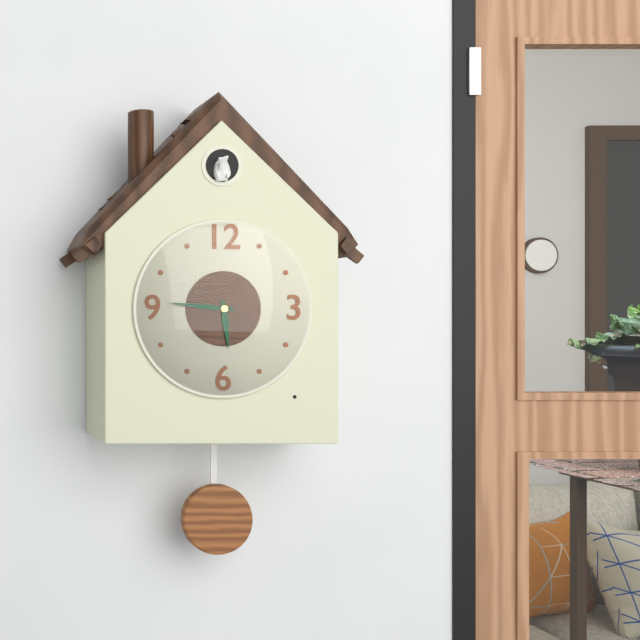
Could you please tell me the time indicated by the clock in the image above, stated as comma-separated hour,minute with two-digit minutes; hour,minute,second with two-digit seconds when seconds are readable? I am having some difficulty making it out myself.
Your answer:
5,46
